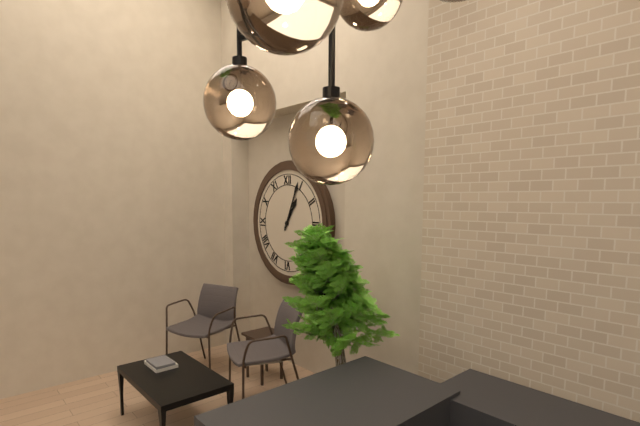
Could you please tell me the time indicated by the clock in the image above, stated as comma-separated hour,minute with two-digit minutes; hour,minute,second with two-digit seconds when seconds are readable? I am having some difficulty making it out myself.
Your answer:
1,04
